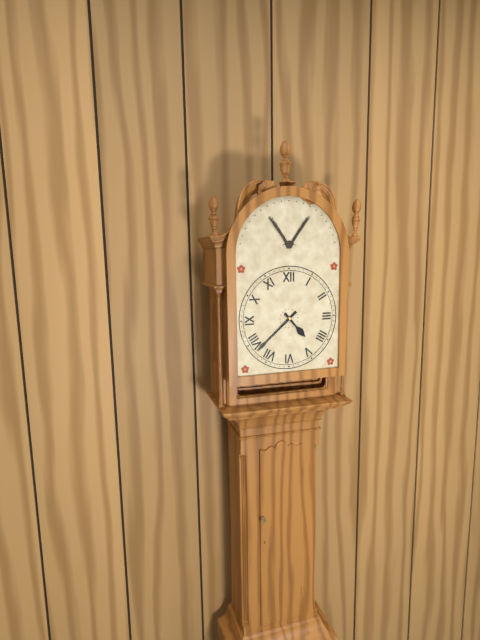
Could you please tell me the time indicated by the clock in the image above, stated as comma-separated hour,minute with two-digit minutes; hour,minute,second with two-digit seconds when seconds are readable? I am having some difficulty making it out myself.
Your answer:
4,38
